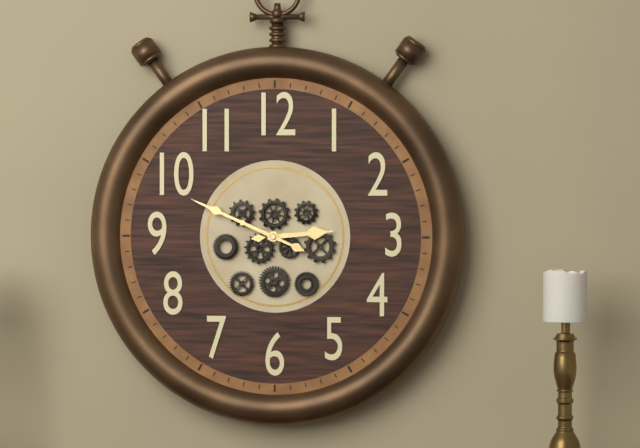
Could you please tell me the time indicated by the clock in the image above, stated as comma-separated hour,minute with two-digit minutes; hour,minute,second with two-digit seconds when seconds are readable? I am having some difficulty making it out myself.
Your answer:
2,49
